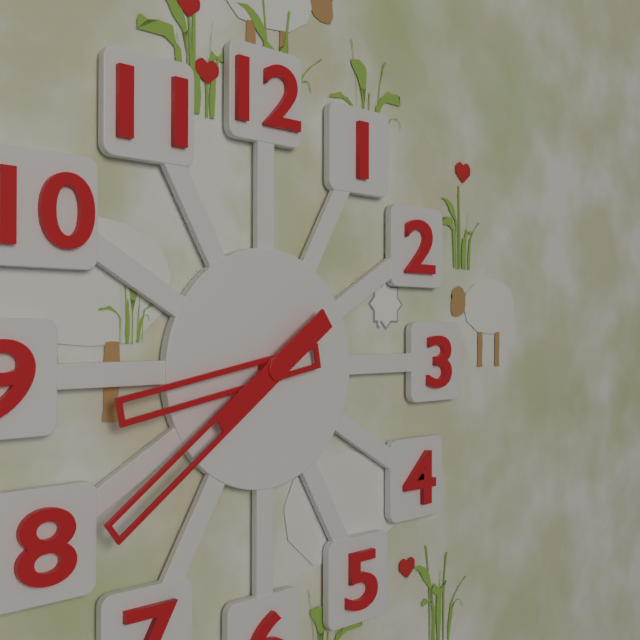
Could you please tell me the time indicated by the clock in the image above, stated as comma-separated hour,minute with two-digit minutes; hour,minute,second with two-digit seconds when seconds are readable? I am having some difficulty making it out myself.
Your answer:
8,39
